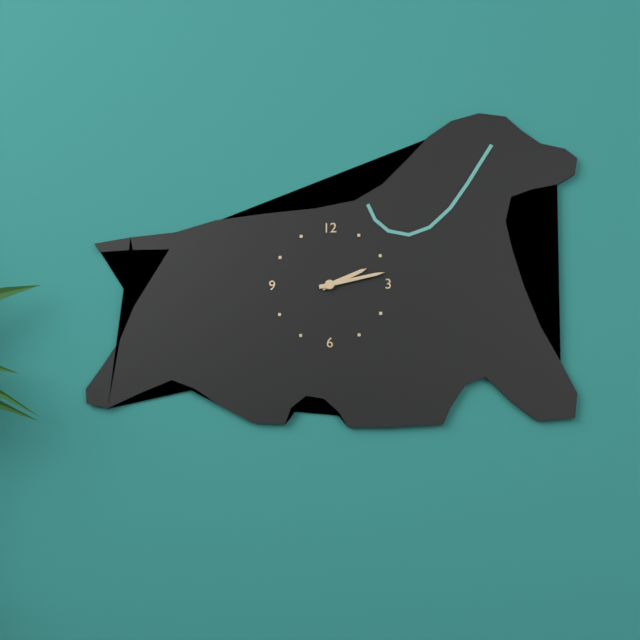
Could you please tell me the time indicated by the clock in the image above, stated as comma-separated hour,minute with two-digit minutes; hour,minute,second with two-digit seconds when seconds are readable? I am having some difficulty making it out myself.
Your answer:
2,13
